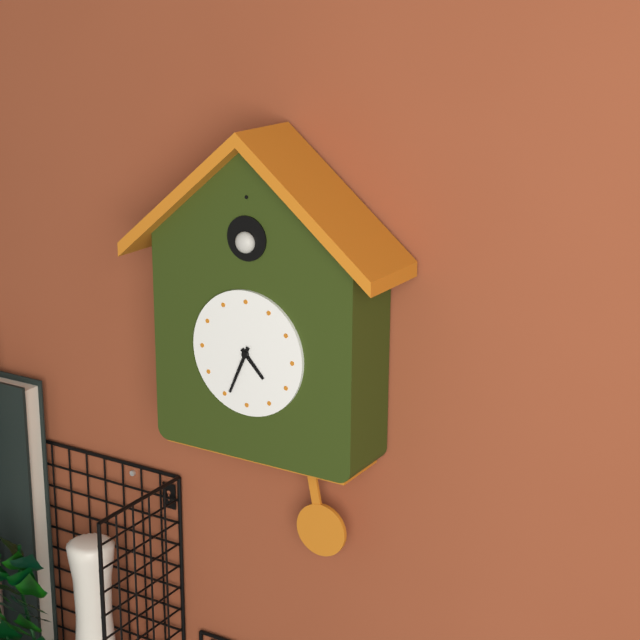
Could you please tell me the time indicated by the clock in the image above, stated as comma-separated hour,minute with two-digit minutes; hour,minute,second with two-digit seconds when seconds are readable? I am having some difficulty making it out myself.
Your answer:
4,34
